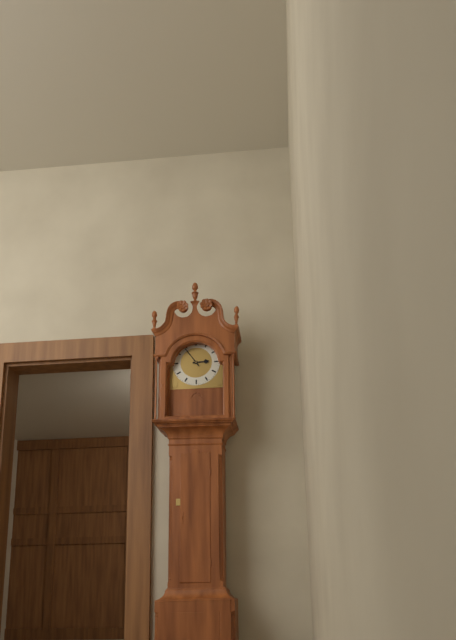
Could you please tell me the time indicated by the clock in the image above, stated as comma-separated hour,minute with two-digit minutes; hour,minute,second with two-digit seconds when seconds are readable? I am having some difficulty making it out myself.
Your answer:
2,54
